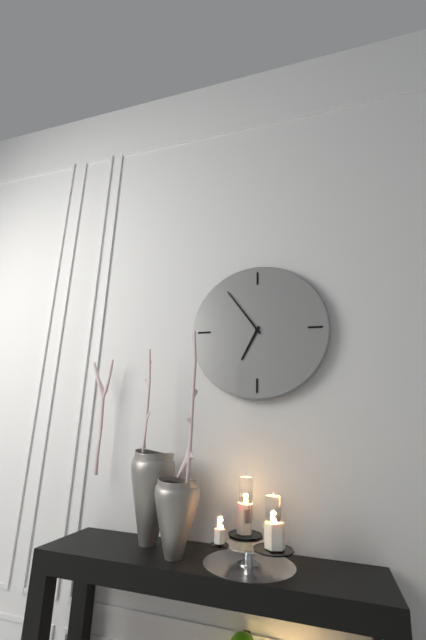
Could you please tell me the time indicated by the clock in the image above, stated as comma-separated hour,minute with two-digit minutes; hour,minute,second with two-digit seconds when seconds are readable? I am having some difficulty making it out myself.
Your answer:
6,54
